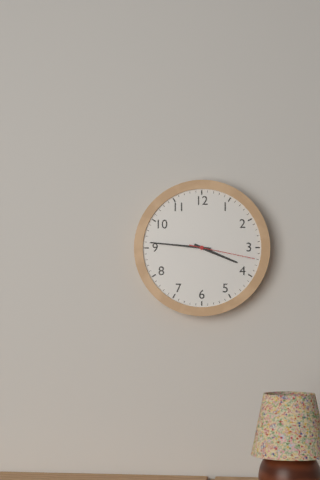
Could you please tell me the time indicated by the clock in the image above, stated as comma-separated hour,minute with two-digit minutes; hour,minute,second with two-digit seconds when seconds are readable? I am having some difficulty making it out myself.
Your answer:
3,46,17
